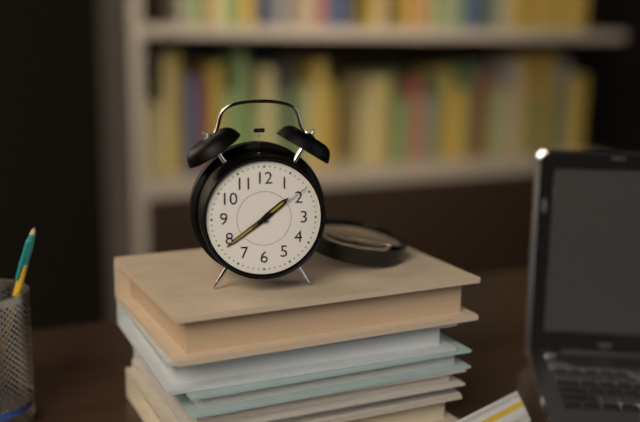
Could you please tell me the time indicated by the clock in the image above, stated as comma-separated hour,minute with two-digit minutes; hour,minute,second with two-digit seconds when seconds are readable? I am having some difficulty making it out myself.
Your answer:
1,39,09
